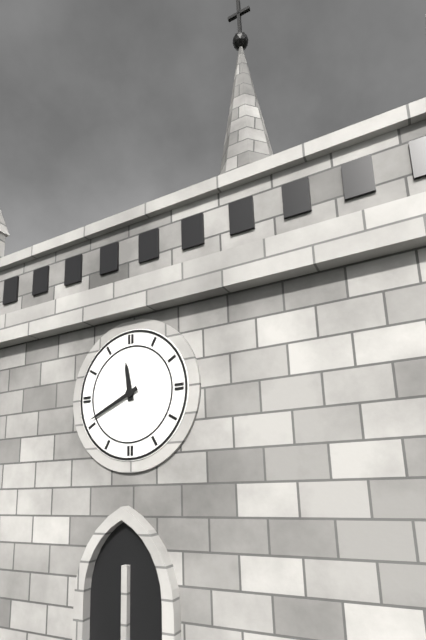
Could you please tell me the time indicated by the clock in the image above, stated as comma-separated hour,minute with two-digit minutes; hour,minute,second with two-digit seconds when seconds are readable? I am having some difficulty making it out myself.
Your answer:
11,41
